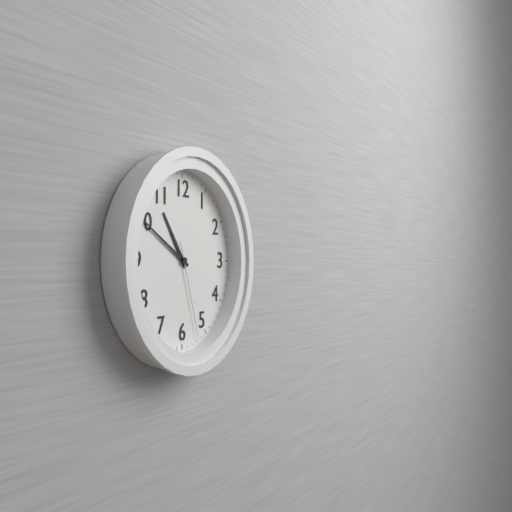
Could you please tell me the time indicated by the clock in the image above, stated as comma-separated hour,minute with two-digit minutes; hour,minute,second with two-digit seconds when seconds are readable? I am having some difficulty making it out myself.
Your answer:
10,50,27
